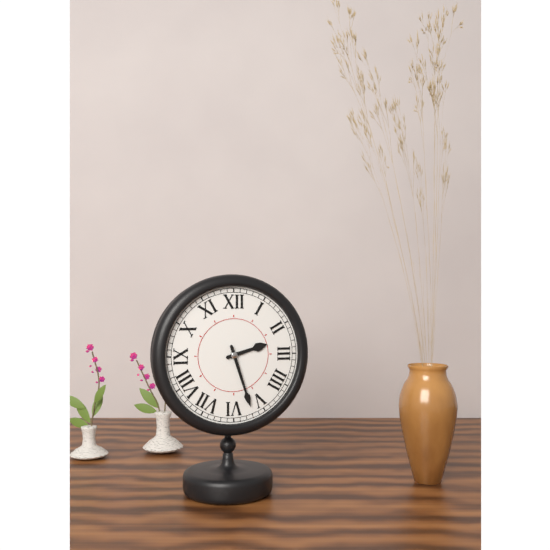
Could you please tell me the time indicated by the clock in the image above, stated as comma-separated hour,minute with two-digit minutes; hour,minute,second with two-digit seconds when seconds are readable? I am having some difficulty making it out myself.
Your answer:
2,27
